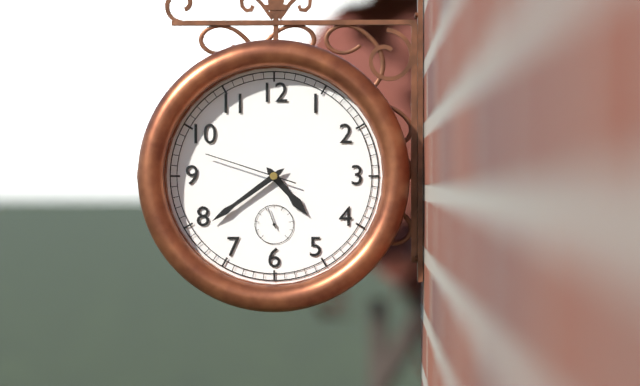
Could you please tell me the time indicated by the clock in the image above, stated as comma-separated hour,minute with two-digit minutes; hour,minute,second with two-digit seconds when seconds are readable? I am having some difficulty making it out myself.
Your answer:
4,39,48
